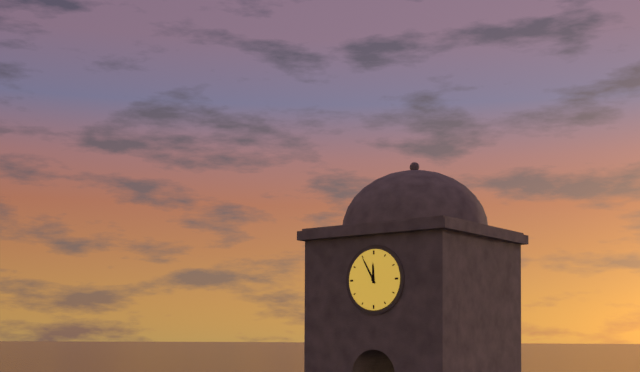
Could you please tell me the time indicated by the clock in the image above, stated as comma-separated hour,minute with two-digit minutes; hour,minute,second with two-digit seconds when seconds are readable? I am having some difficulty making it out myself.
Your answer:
11,55
